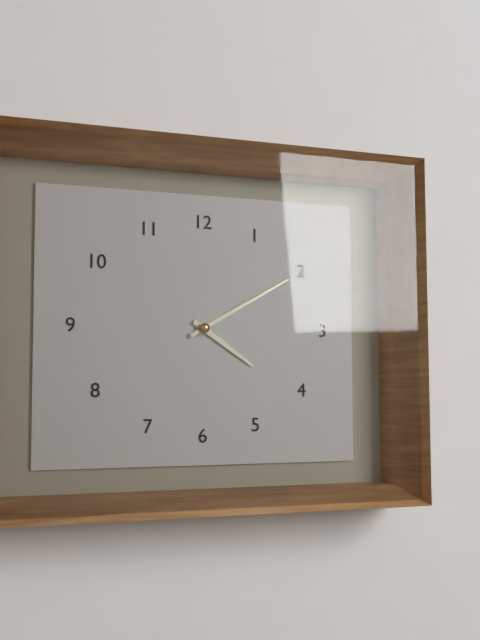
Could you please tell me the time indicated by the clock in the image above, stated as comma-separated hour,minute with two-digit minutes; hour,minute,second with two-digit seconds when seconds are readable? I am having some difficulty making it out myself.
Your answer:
4,10
